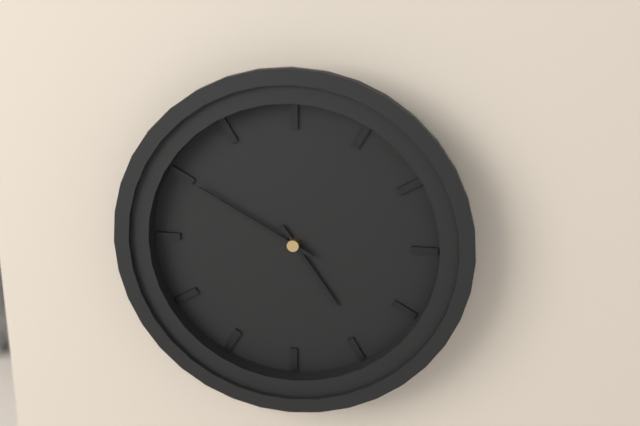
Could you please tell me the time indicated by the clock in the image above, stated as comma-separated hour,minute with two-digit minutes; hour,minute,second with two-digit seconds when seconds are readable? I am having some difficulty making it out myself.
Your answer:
4,50
